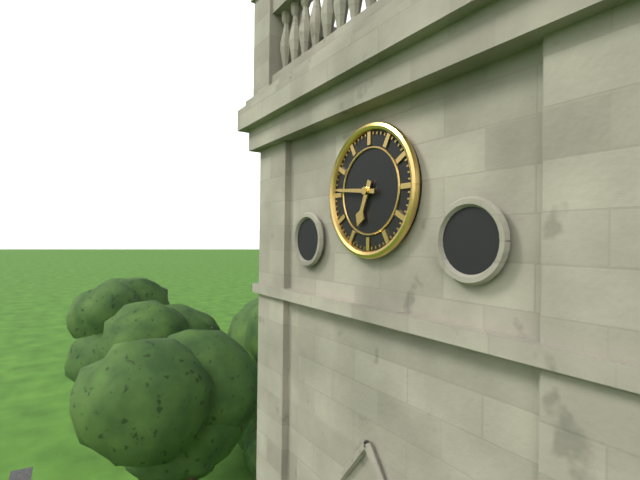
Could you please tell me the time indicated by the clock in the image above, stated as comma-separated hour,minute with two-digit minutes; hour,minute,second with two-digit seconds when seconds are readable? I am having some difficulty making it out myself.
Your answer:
6,46
